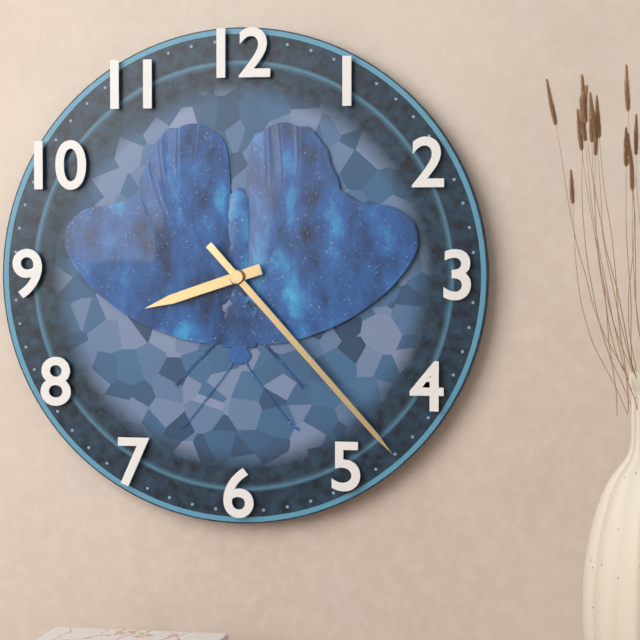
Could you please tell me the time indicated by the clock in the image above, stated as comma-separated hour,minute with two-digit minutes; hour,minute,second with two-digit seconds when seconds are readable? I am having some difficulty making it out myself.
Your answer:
8,23
